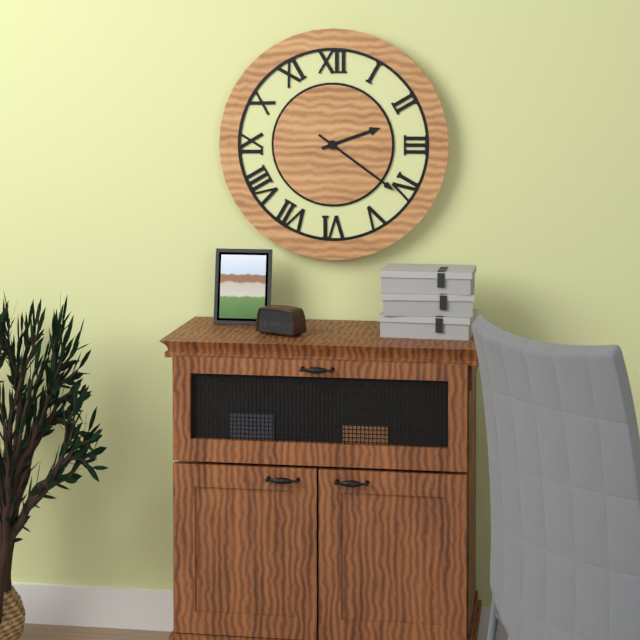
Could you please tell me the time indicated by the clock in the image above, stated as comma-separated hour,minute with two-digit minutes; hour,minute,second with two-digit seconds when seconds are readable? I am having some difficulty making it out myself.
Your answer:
2,21
